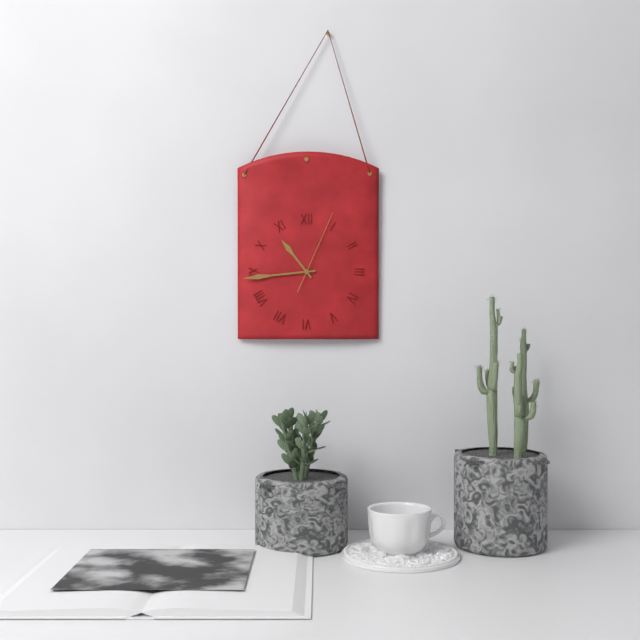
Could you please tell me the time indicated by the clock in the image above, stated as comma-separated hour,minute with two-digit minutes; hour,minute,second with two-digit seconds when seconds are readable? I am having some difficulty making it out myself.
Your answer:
10,44,04
